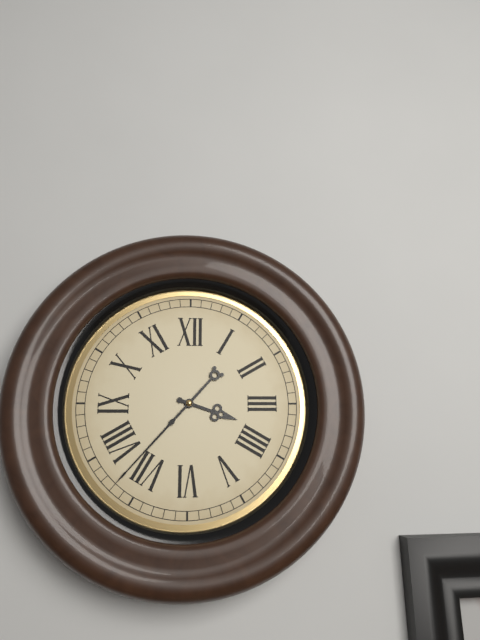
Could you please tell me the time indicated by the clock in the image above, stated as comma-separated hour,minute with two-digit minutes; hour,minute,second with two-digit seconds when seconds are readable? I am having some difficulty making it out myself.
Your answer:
3,37
